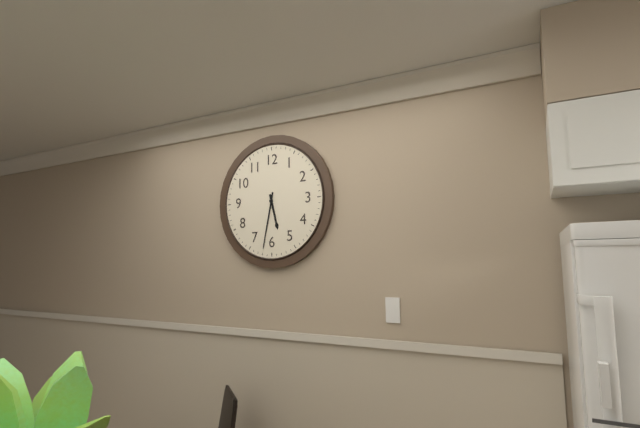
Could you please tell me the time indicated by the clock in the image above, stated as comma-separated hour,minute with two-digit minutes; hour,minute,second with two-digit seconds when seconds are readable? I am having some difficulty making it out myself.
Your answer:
5,32
